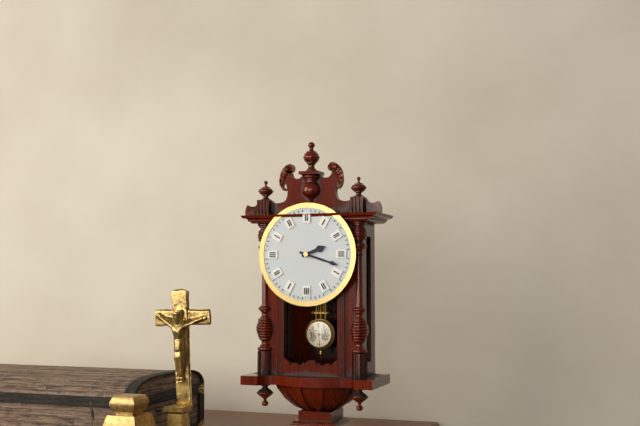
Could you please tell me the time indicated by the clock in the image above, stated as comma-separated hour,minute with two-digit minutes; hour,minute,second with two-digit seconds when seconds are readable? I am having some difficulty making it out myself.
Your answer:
2,18
